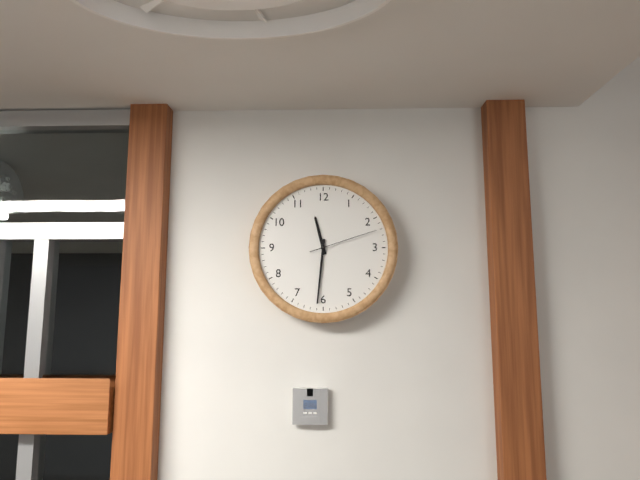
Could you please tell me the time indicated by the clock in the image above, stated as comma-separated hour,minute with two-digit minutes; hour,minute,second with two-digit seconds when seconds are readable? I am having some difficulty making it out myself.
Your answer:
11,31,12
